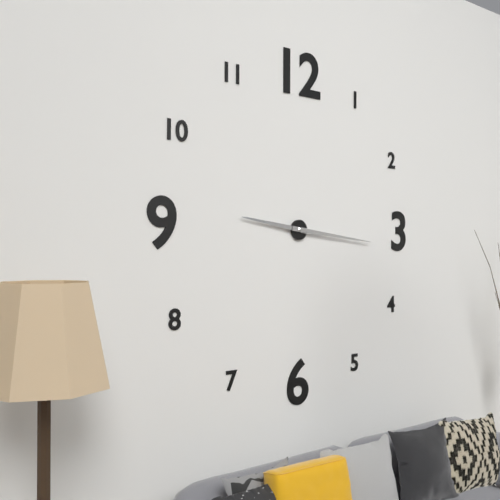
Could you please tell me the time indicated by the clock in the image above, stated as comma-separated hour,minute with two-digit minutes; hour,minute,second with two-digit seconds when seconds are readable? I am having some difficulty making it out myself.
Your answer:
9,16
